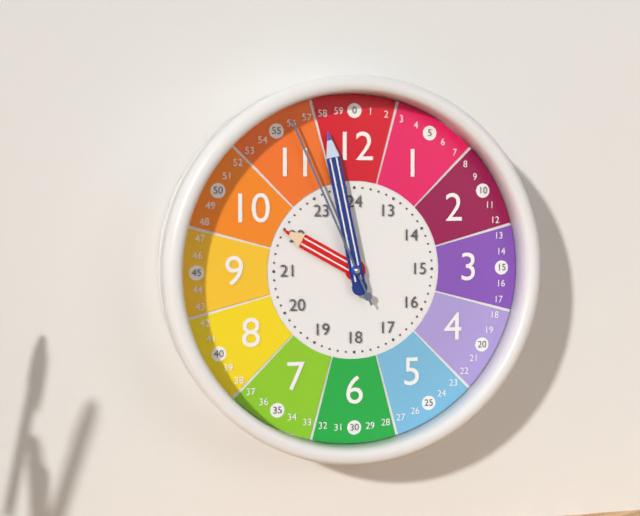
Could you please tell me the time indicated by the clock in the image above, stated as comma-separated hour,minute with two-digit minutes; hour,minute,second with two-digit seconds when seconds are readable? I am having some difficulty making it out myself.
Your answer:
9,58,56
